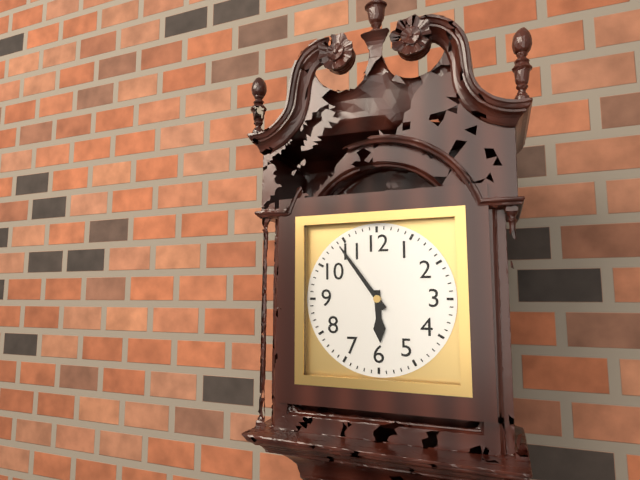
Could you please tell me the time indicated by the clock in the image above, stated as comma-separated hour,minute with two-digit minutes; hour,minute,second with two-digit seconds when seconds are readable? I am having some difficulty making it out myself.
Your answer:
5,54
